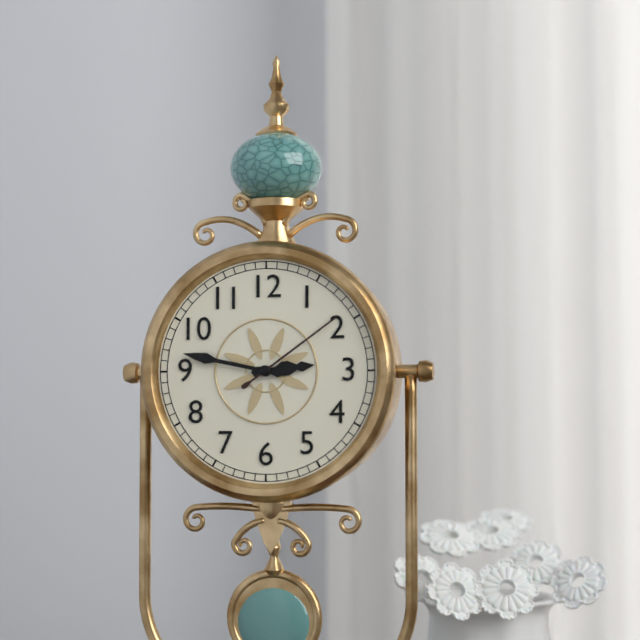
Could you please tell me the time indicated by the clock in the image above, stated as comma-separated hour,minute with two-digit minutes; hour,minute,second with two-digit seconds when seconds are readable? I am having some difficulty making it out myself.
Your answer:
2,47,09
